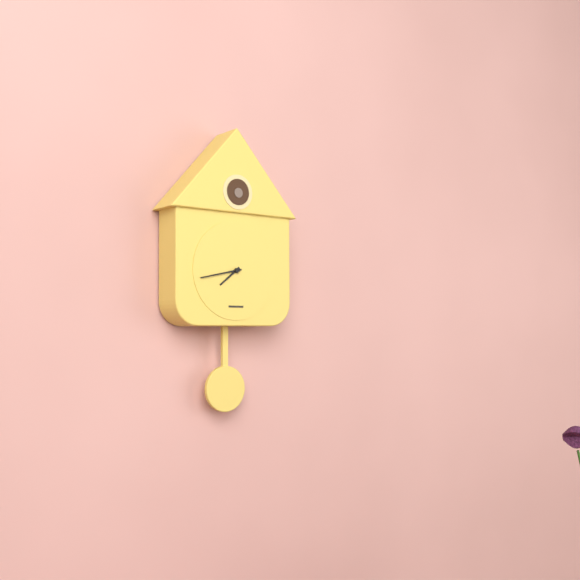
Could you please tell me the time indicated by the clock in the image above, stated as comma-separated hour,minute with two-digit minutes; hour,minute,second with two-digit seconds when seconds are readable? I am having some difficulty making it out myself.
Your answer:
7,43
